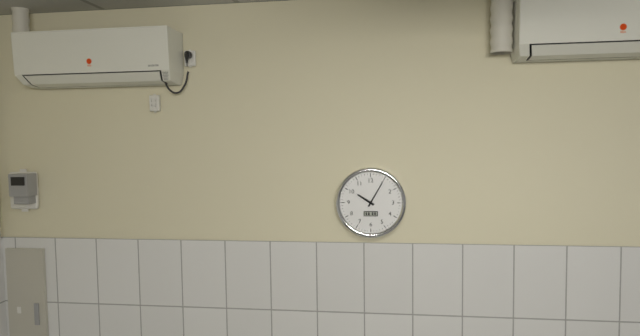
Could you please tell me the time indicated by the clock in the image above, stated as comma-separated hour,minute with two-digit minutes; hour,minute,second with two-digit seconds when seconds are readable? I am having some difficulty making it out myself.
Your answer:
10,05
